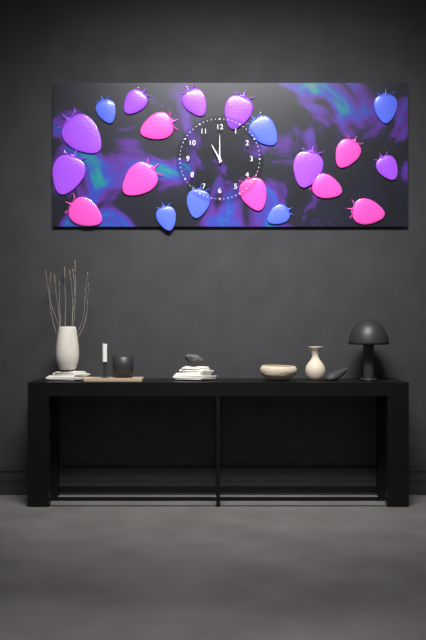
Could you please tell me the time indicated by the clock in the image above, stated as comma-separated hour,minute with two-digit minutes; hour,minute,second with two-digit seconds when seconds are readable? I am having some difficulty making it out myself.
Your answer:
11,00
